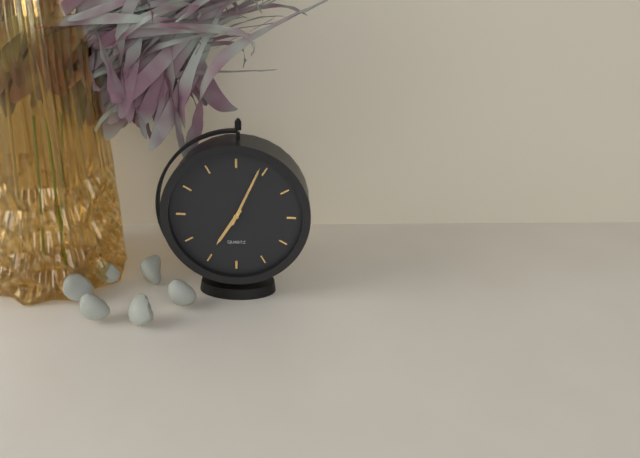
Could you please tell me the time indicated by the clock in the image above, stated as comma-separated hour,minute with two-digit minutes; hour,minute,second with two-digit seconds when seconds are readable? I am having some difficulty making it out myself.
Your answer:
7,04
